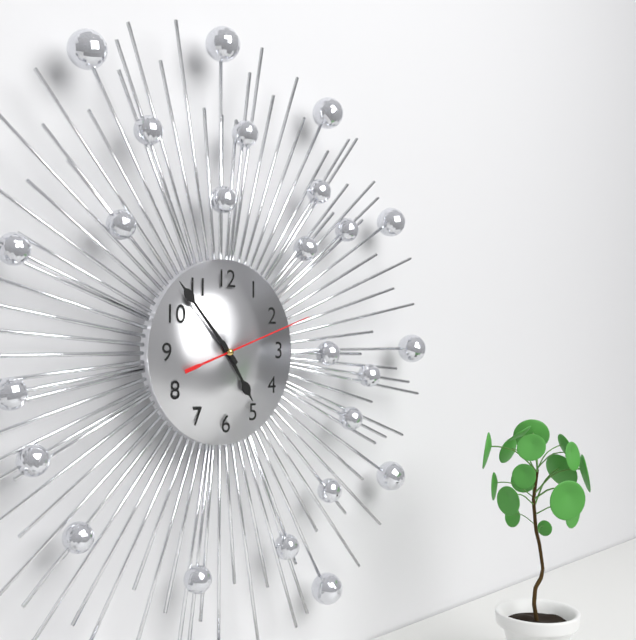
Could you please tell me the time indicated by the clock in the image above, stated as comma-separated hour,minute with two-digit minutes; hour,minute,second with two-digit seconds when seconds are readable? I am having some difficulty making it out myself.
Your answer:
4,53,12
